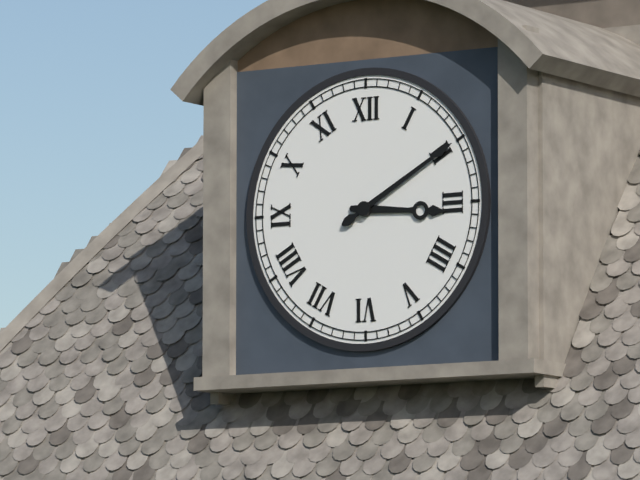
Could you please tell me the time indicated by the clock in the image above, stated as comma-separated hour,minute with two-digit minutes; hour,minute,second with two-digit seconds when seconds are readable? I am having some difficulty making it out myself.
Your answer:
3,10
